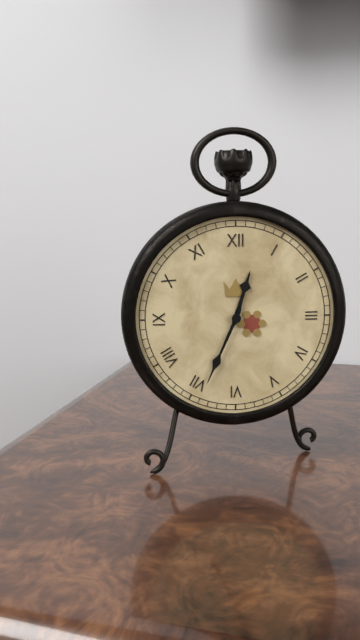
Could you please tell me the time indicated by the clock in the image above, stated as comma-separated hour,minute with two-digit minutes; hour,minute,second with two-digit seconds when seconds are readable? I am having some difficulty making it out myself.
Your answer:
12,34
